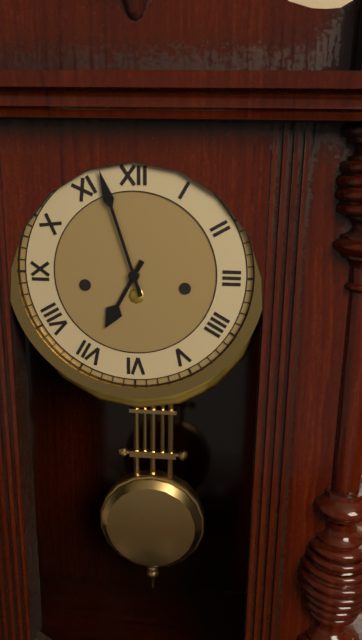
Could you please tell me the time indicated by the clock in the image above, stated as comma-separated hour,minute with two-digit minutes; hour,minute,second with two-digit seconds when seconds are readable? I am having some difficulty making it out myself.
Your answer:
6,57
